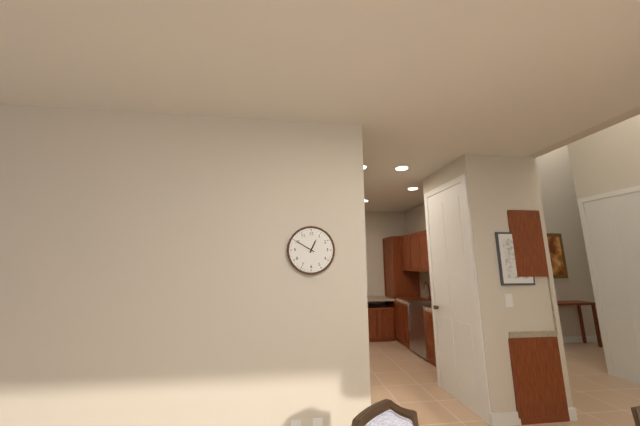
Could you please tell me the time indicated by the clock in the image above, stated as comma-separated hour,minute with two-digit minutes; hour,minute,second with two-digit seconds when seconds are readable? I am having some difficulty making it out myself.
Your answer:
12,50
